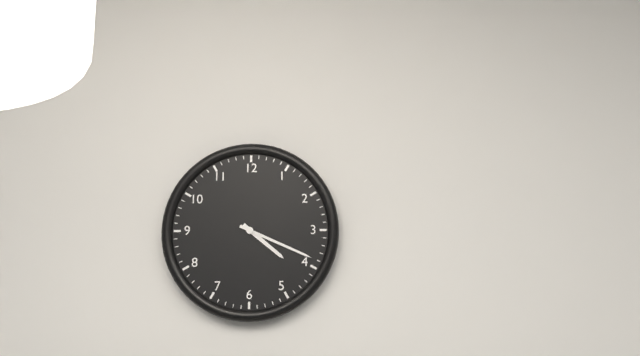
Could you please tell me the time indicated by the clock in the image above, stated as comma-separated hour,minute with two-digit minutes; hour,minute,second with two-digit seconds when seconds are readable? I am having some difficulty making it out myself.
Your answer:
4,19
